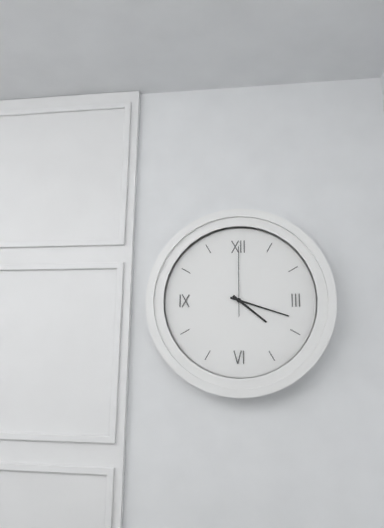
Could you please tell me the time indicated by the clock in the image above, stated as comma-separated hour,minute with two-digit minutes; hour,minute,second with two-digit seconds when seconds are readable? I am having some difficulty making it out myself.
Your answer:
4,18,00
